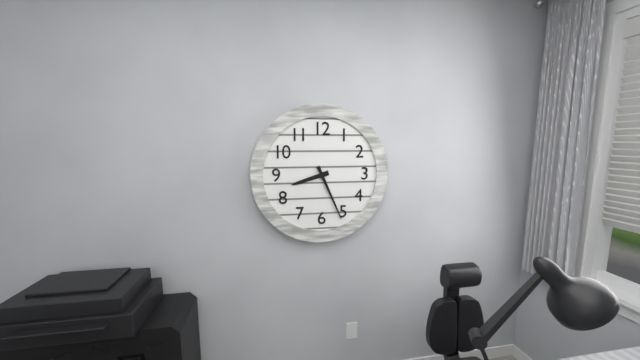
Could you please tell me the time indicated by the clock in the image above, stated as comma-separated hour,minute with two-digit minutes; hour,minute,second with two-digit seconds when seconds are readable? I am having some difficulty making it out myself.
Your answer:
8,26
